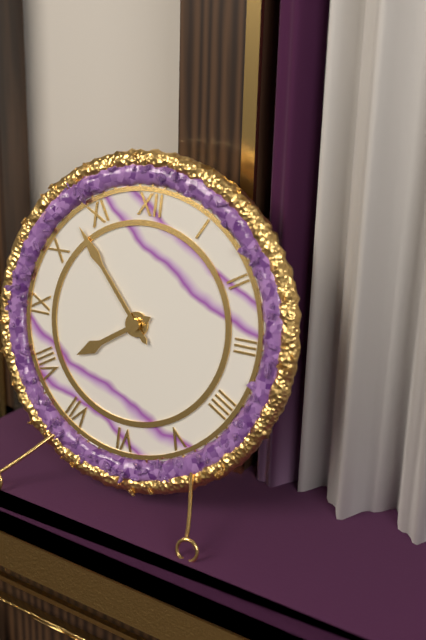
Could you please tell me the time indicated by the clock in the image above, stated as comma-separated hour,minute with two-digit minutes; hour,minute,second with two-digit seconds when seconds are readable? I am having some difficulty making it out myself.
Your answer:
7,53
